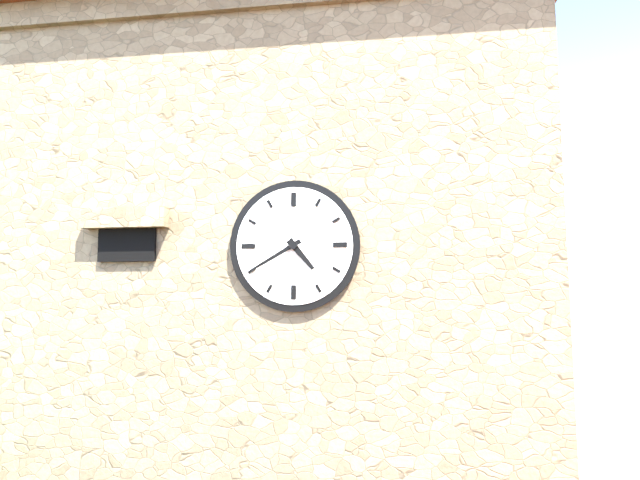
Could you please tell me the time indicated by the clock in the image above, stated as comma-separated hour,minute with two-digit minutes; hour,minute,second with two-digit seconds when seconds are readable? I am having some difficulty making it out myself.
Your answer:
4,40
